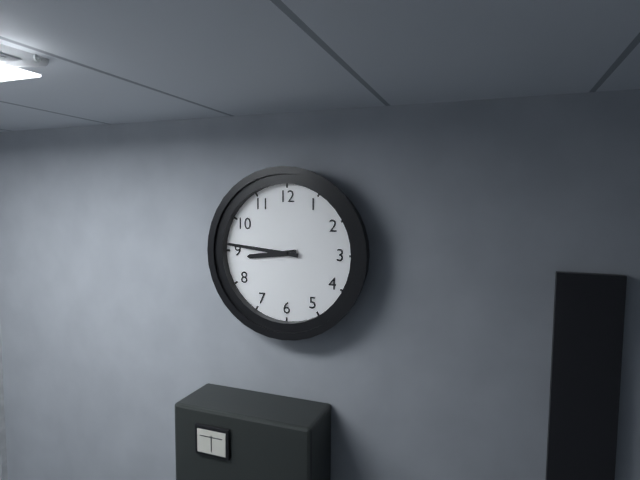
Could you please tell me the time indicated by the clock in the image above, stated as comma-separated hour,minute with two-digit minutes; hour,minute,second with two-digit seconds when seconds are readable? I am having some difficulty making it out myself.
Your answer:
8,46
